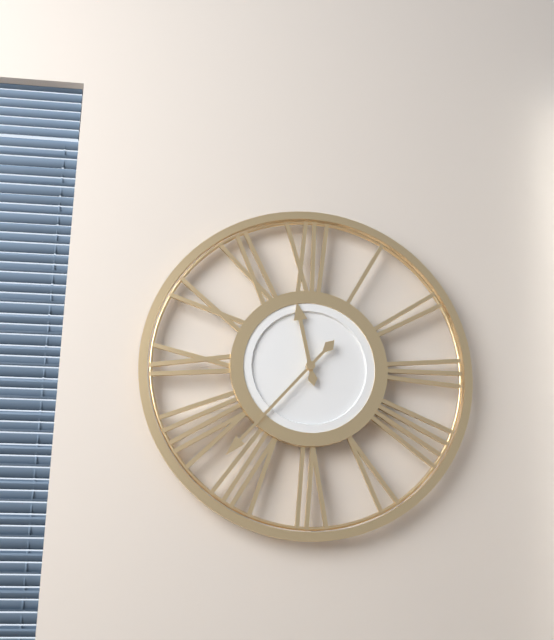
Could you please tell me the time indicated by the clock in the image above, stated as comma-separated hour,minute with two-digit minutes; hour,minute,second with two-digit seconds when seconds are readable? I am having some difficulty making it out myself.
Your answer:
11,37
